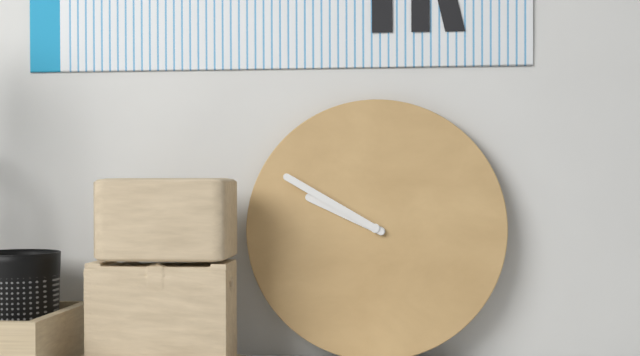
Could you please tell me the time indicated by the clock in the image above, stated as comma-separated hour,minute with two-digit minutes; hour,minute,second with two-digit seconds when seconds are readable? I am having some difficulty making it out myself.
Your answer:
9,50
